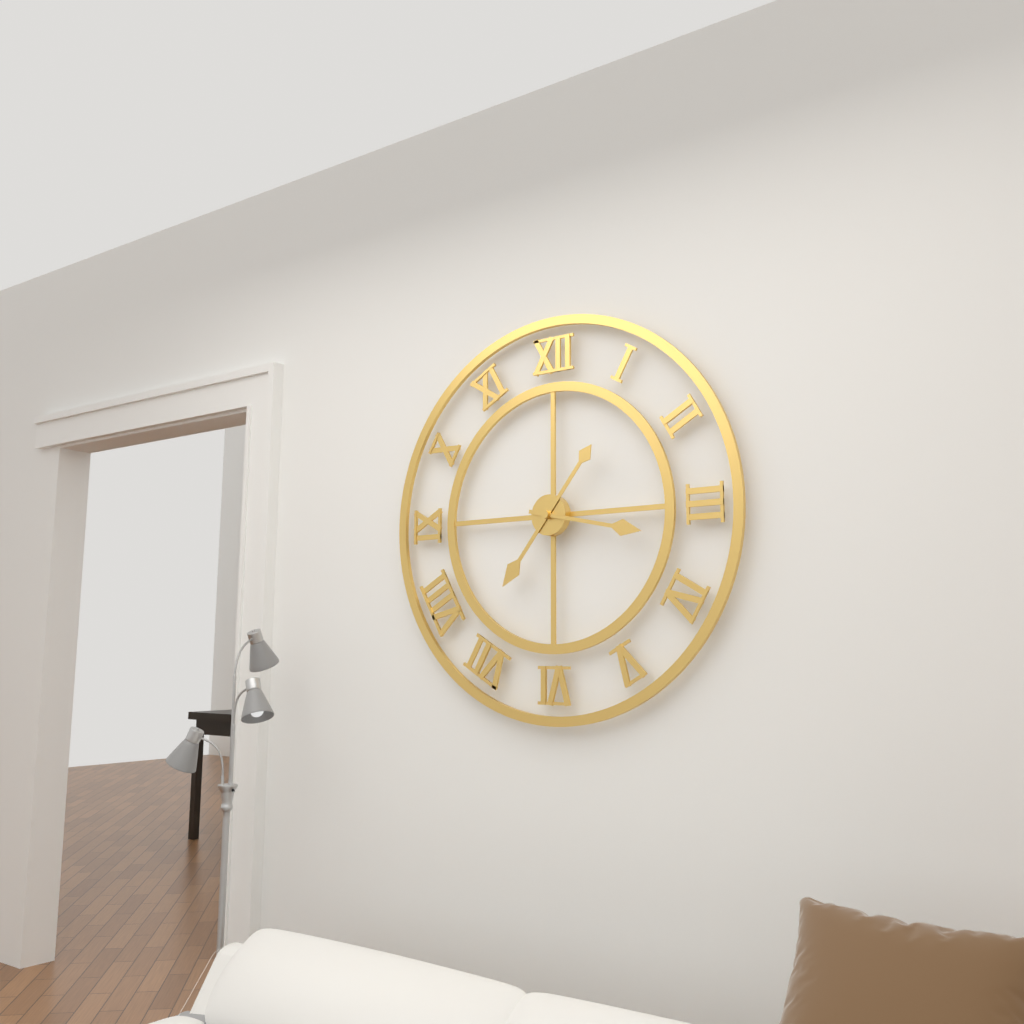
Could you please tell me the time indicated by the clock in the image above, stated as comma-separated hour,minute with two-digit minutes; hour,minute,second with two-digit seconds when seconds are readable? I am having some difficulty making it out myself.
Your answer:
7,17
